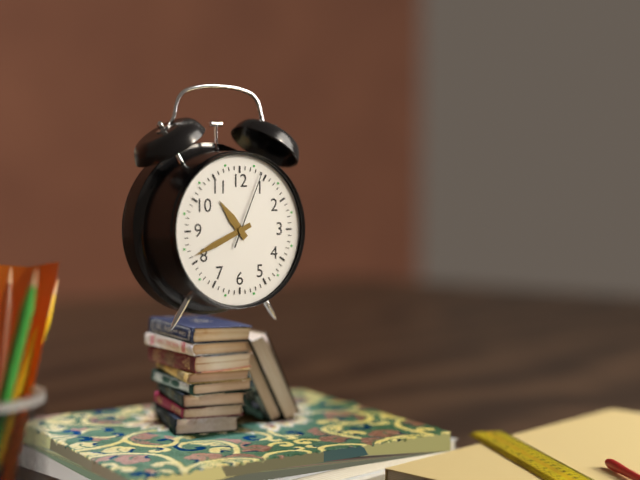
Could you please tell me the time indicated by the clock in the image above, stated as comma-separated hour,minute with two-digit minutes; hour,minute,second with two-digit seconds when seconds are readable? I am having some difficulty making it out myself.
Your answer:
10,41,04
